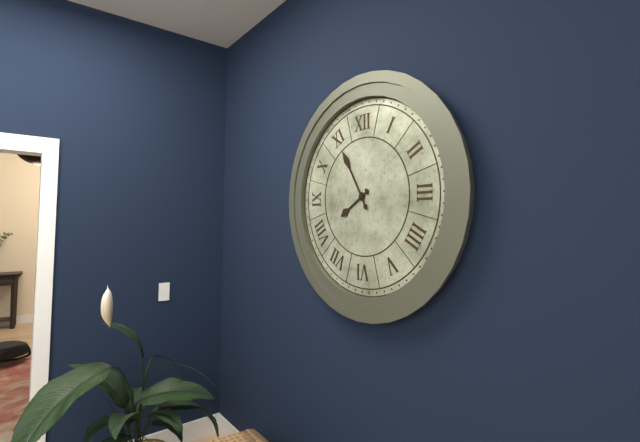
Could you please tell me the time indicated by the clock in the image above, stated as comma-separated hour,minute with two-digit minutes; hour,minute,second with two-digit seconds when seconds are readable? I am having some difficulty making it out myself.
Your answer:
7,55
